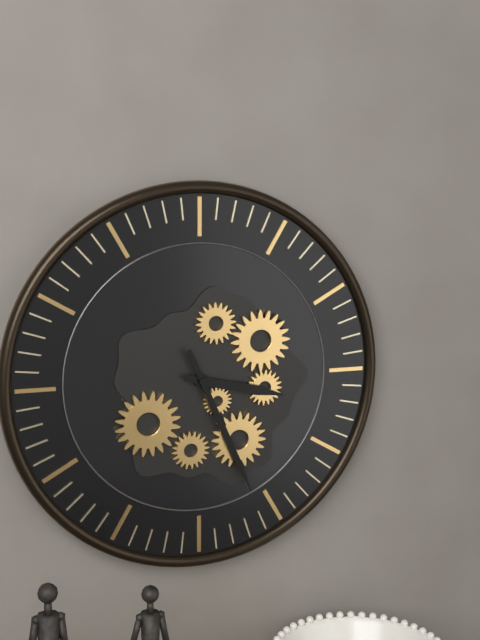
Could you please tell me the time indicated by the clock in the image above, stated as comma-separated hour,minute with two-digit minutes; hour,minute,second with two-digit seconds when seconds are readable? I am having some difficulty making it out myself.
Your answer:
3,26
